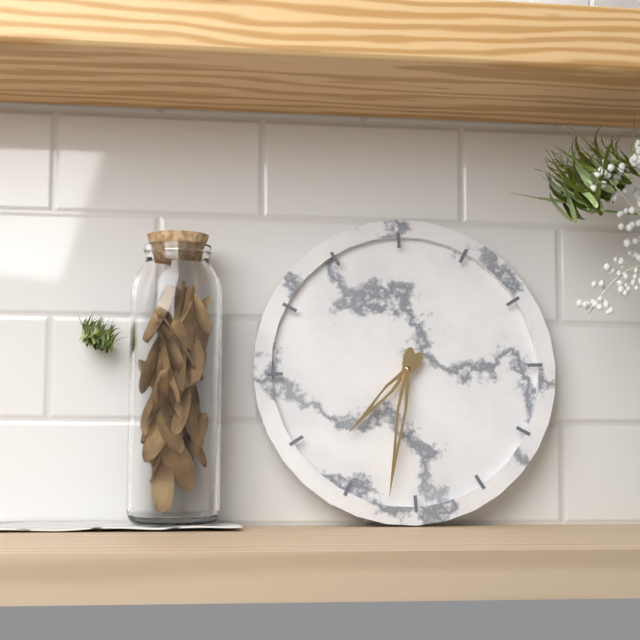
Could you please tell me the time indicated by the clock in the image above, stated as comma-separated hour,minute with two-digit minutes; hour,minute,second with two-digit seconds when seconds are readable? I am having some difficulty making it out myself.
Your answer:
7,32
